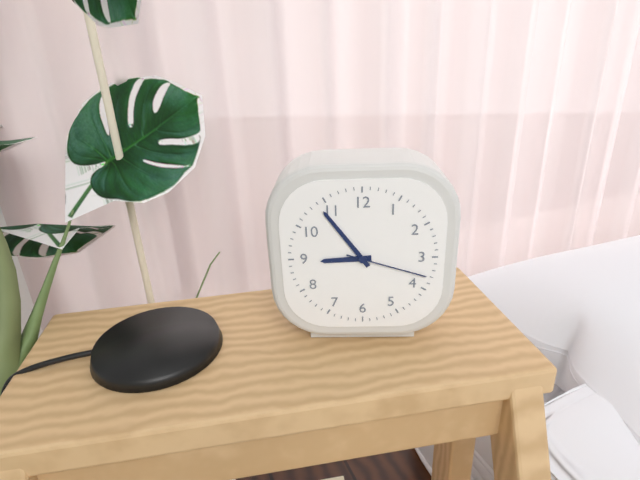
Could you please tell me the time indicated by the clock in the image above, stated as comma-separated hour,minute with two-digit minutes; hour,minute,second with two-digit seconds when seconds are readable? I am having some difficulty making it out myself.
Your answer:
8,54,18
